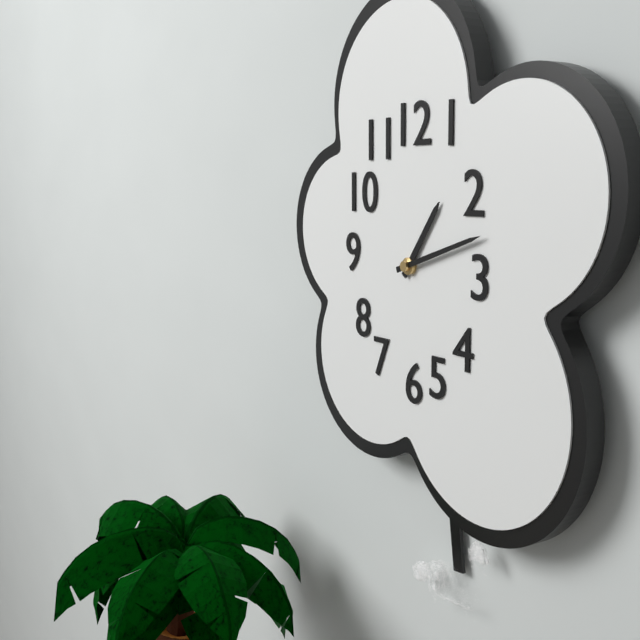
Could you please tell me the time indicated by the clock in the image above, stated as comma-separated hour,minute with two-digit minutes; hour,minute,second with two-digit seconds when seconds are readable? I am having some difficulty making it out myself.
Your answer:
1,12
